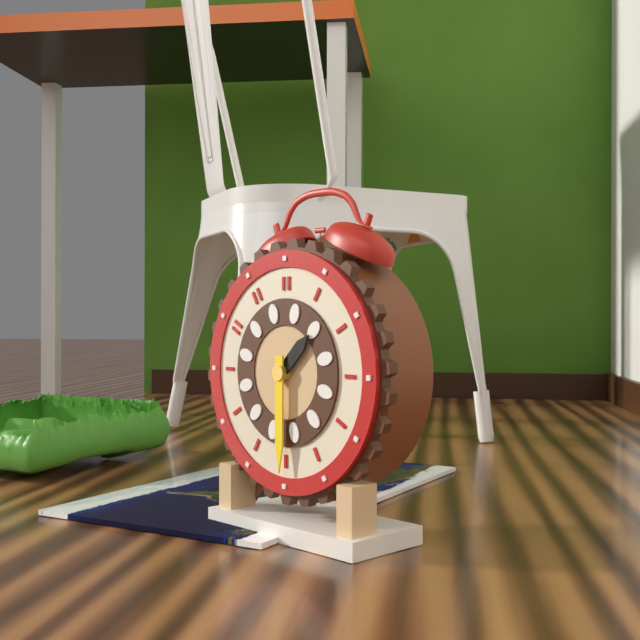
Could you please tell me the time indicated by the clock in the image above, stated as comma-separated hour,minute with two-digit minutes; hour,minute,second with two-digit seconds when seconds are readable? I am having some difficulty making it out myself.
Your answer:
1,30
